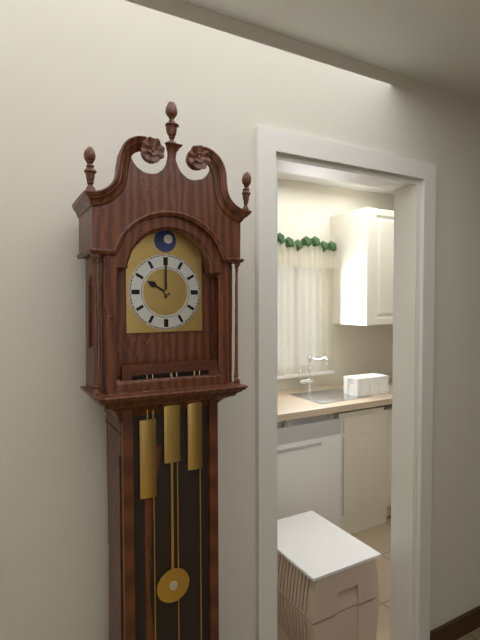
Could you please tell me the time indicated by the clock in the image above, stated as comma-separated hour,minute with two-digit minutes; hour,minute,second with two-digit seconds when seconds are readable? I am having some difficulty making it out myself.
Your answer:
10,00
